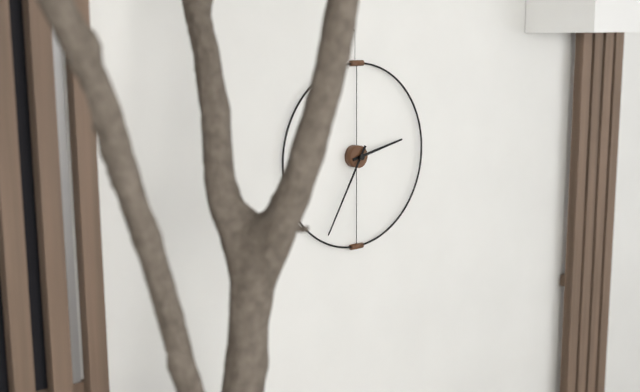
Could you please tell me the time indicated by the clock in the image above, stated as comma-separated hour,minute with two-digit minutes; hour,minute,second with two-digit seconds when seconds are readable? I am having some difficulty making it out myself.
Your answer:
2,35
